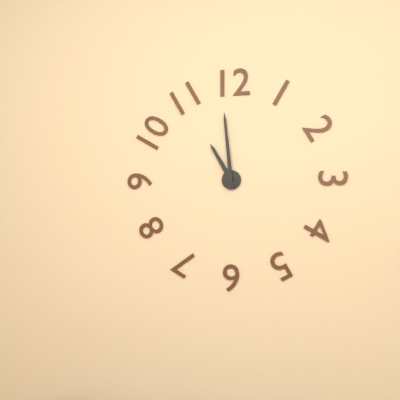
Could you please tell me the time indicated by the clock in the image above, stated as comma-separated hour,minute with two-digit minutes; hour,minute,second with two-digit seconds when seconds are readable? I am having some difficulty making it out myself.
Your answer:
10,59
